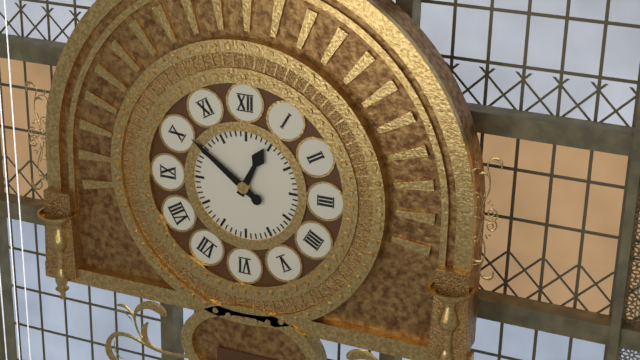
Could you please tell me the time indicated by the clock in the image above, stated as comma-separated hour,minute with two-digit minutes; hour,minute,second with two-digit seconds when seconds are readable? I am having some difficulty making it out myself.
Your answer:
12,51
